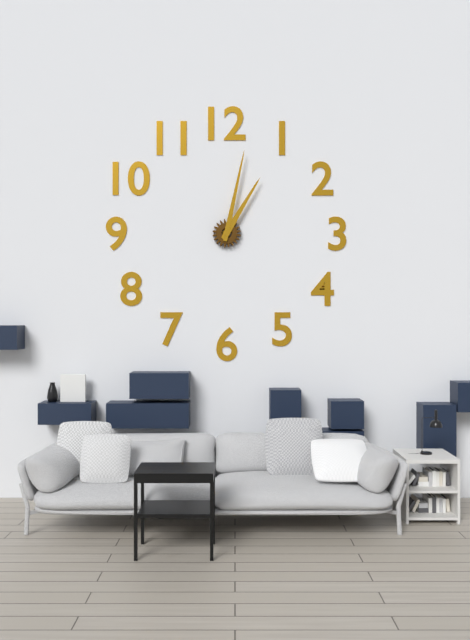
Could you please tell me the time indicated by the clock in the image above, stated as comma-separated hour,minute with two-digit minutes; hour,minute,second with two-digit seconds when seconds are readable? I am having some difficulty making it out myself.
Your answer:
1,02
